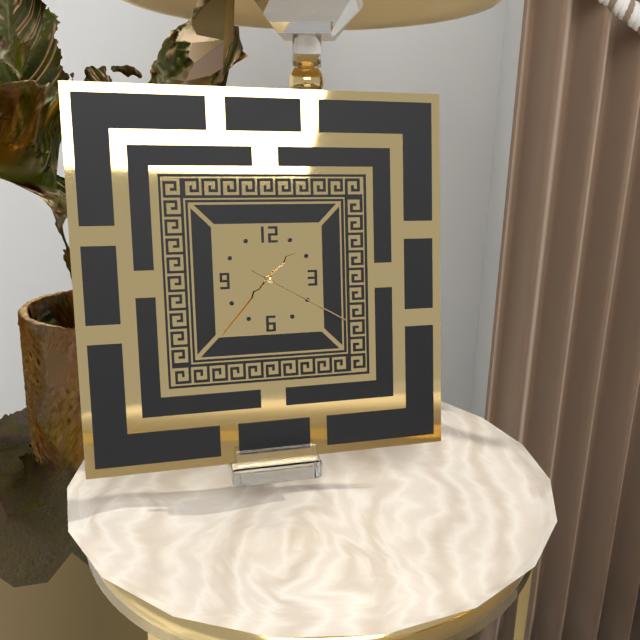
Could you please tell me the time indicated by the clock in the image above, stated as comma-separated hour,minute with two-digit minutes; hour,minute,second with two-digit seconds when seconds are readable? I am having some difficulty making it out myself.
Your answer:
1,37,20
